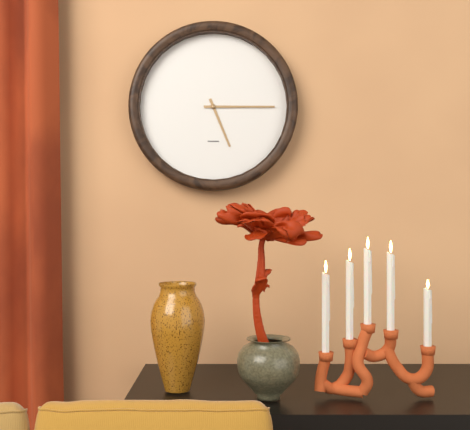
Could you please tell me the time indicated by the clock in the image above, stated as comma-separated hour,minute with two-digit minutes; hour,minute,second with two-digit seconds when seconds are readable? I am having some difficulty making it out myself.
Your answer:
5,15
